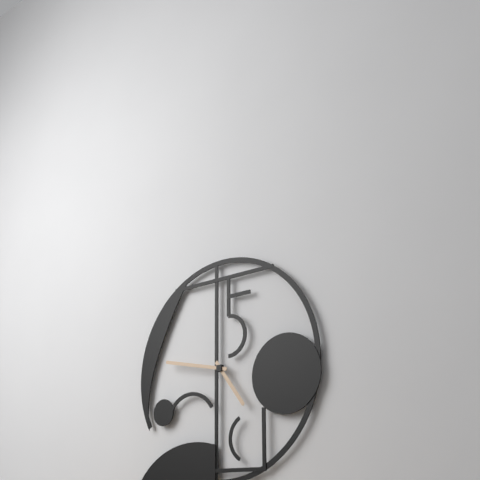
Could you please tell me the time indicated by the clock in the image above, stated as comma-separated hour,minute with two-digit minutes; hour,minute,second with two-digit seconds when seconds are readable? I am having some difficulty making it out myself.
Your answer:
4,47
